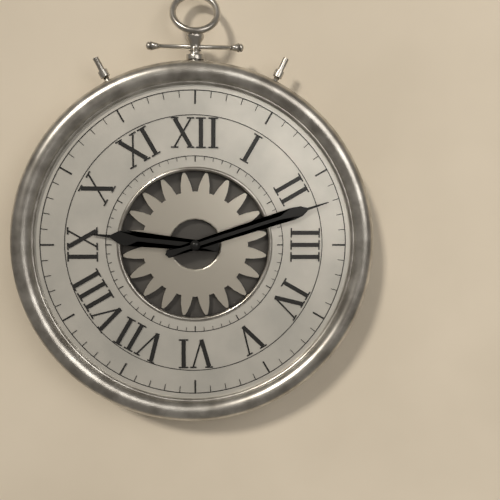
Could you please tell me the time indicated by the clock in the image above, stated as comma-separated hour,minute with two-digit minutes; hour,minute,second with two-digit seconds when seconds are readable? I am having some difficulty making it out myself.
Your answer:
9,12
